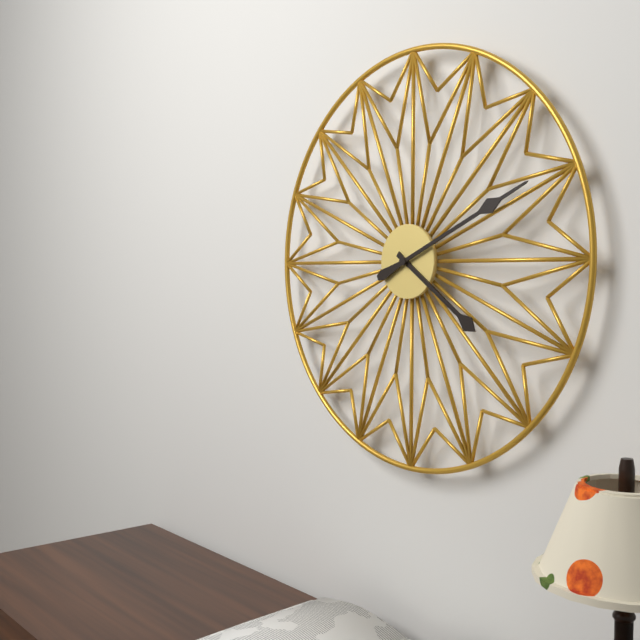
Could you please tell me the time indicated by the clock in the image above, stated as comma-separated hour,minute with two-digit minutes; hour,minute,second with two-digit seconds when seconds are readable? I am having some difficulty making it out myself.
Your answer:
4,11
